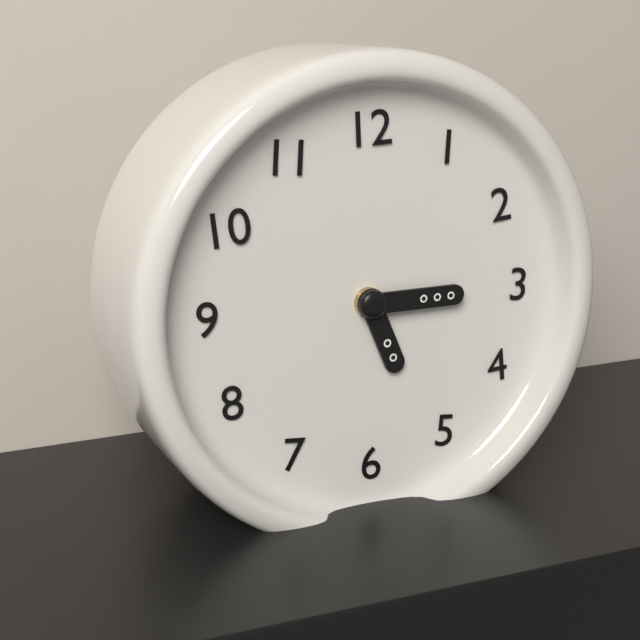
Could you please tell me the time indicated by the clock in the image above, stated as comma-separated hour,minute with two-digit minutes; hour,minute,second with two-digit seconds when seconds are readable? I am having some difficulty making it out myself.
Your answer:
5,15
